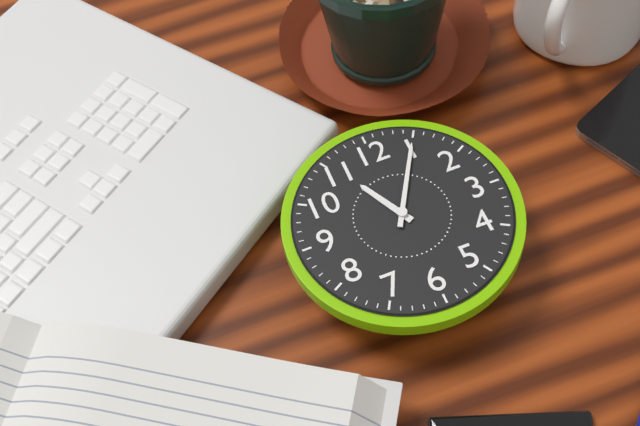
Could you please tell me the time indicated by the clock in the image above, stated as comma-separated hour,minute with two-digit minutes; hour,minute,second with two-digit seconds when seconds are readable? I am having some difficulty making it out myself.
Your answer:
11,05
